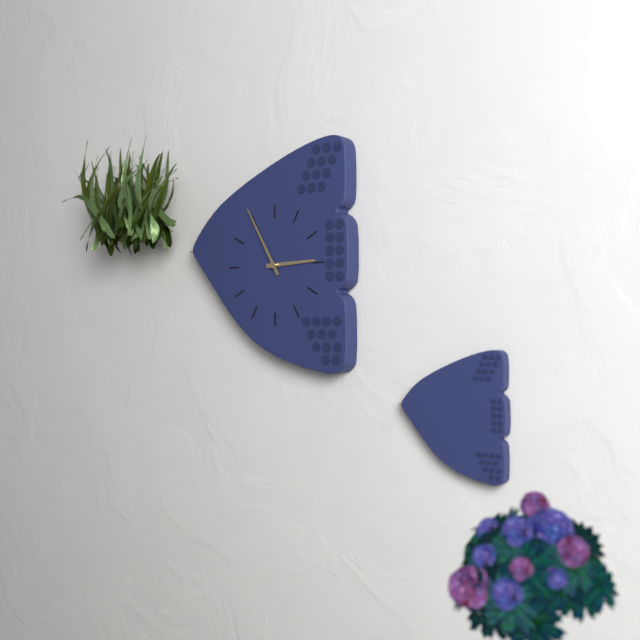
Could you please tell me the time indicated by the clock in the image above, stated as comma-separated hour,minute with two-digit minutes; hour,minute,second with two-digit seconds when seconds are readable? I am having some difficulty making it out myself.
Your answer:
2,55
